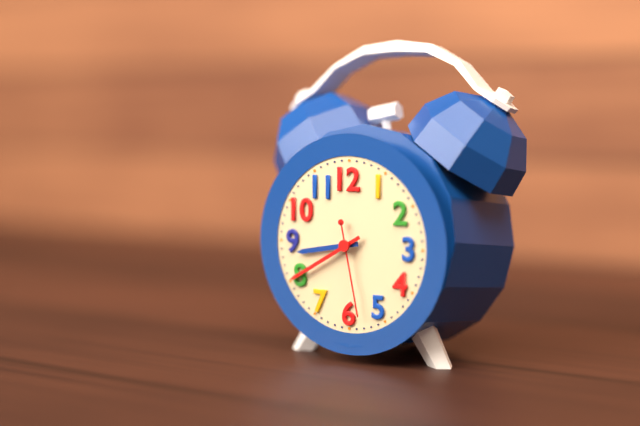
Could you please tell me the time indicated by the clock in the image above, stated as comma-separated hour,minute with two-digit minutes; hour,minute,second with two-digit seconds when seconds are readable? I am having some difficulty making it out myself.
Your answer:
8,40,28
